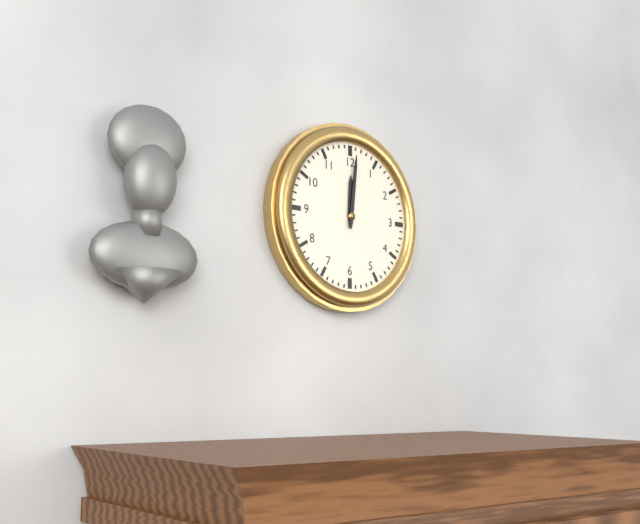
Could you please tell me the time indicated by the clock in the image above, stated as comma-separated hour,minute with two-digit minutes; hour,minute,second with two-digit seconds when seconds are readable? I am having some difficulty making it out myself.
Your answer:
12,01
